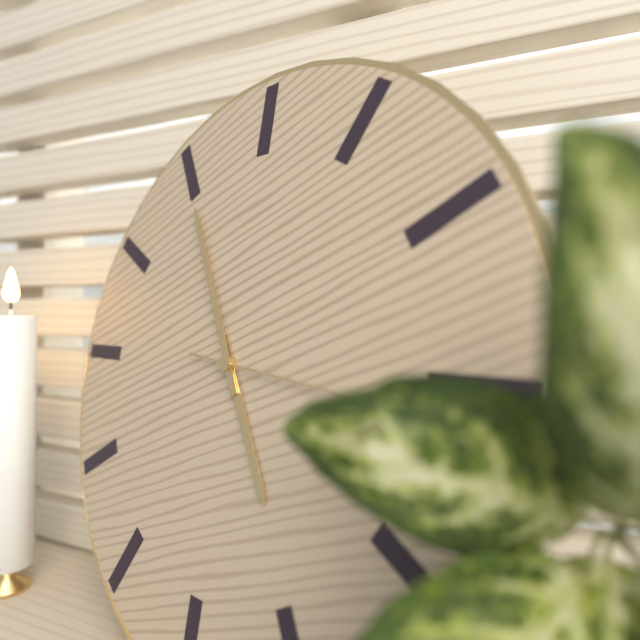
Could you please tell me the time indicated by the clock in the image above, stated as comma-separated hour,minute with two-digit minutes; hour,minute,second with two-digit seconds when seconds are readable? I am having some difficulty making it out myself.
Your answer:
4,55,16
